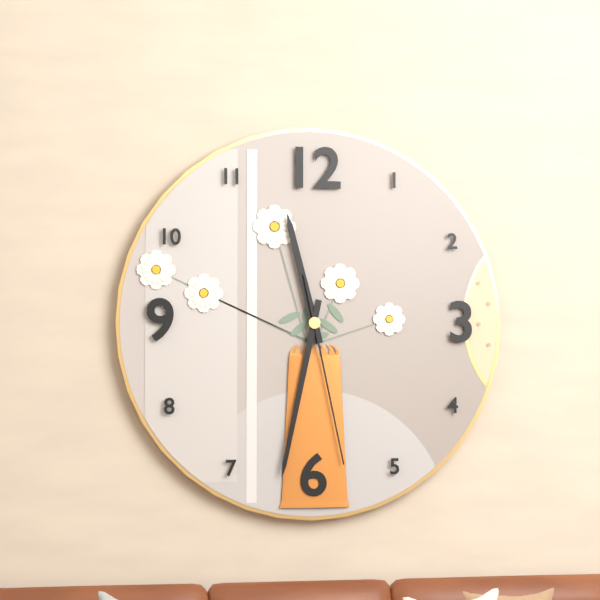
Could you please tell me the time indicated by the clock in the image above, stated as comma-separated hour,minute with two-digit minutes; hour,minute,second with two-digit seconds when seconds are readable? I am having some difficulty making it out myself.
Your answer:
11,32,28
